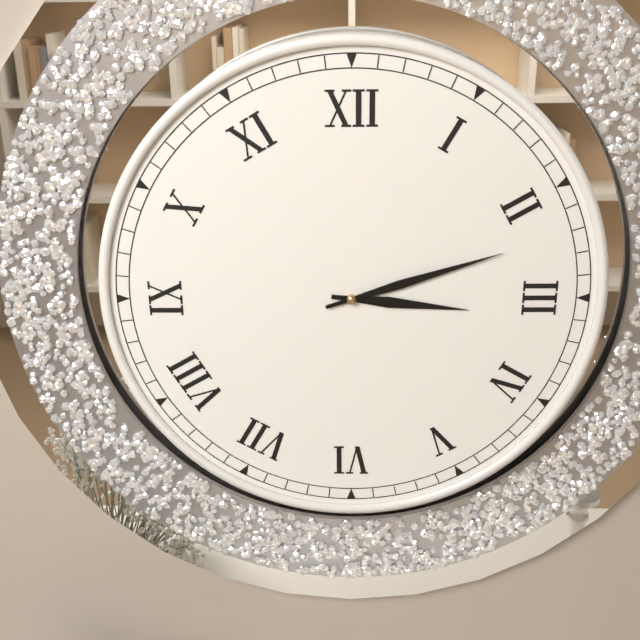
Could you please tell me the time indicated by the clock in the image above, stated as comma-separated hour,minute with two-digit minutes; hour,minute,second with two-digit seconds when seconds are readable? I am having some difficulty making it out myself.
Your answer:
3,12
